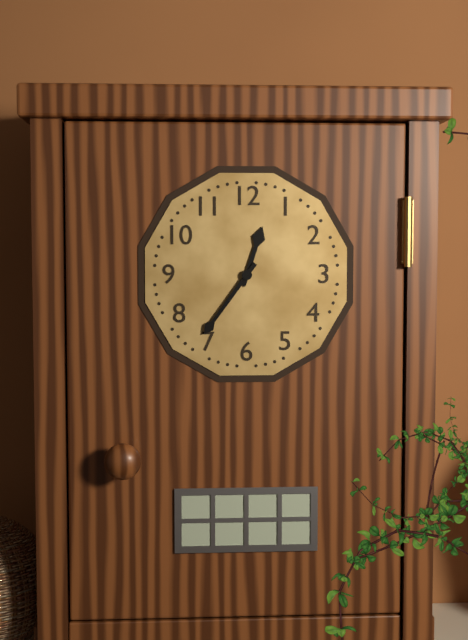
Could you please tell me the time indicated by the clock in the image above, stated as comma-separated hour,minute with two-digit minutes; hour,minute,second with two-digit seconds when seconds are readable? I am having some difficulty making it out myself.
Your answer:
12,36
